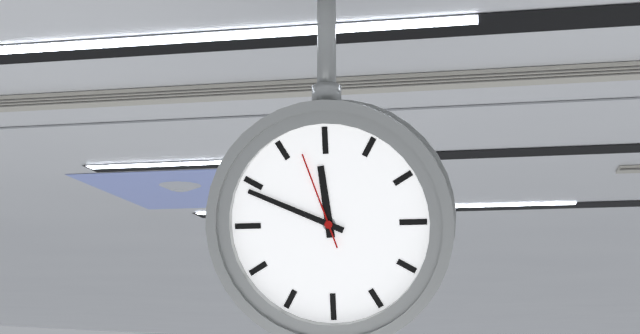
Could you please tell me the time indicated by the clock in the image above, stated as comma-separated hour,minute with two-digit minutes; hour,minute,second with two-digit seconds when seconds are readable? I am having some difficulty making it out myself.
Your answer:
11,49,57
